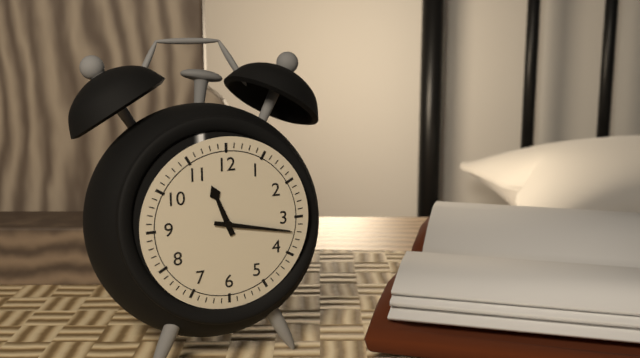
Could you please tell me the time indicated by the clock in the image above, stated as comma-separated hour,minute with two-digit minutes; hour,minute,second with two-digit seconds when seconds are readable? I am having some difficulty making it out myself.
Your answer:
11,17
